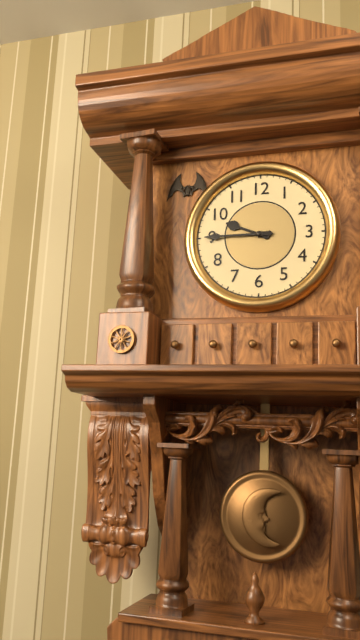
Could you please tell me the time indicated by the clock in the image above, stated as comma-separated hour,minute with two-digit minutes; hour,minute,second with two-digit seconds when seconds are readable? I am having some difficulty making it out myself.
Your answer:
9,45
